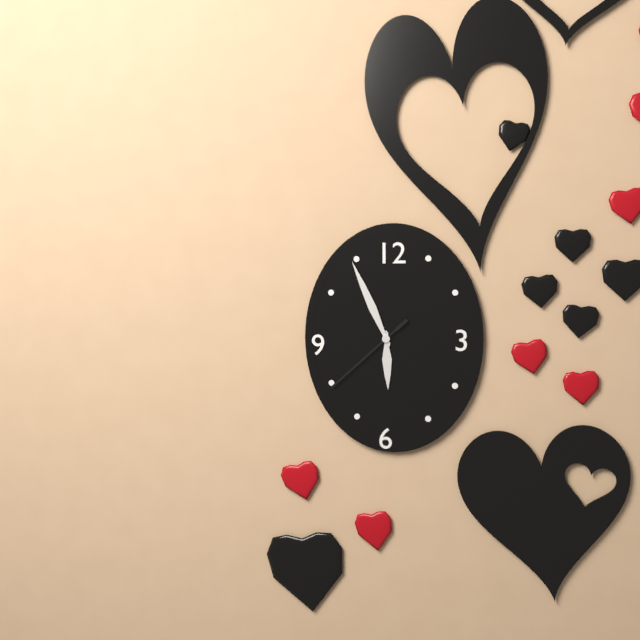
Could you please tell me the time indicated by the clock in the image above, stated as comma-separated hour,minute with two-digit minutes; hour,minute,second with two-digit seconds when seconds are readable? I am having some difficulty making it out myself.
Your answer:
5,56,38
